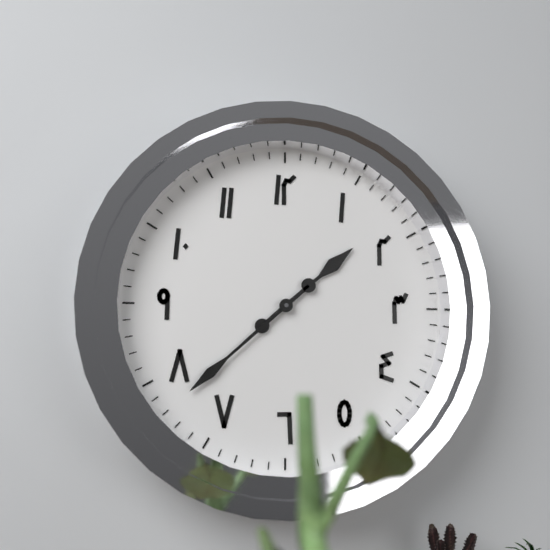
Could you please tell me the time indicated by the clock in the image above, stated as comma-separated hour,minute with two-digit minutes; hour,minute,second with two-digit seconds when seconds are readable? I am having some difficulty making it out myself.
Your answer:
1,38
